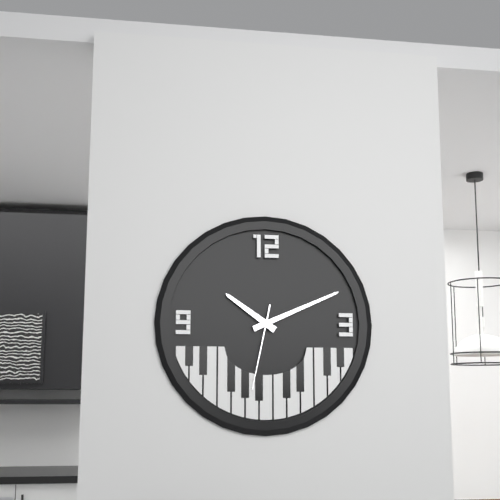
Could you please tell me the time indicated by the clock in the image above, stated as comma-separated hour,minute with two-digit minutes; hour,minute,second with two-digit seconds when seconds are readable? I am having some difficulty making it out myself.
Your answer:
10,11,32
